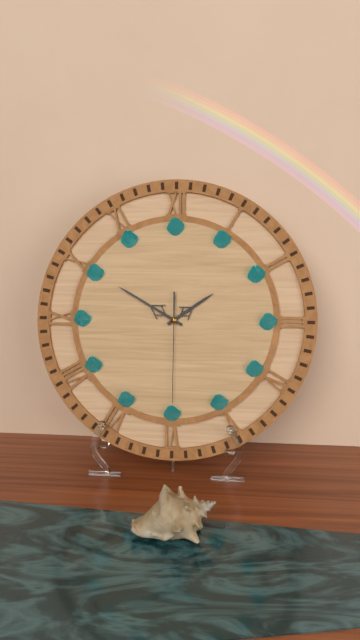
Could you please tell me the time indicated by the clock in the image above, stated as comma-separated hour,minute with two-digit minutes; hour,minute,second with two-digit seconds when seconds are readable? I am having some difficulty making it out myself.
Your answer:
1,50,30
